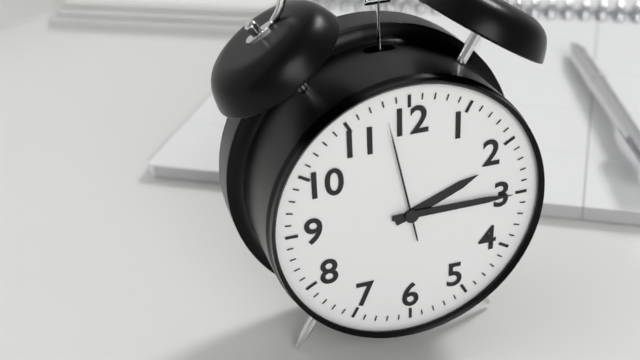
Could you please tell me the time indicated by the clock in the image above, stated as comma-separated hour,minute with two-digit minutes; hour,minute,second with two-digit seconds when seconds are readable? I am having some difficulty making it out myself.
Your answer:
2,15,58
